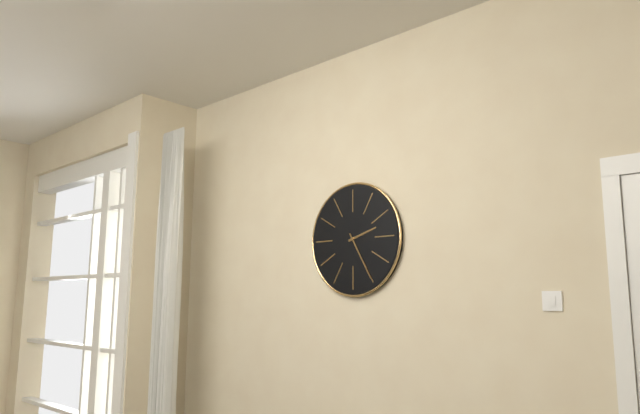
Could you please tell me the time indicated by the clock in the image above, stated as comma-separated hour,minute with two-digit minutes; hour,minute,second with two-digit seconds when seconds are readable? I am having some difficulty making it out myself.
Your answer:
2,25
